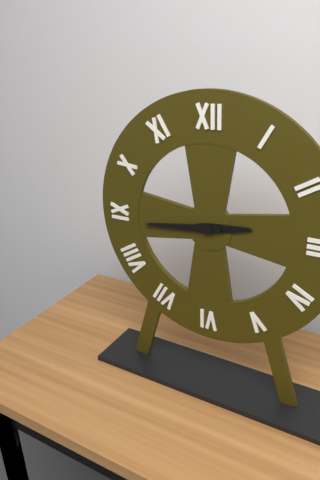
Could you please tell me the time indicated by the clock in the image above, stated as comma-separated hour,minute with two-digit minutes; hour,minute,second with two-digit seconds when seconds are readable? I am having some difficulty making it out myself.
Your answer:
2,44
